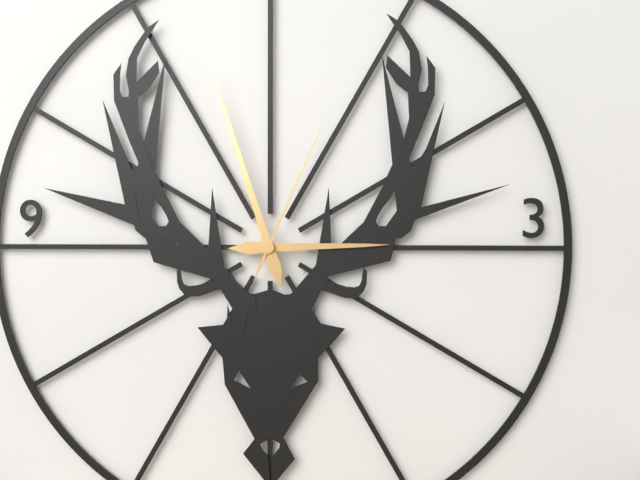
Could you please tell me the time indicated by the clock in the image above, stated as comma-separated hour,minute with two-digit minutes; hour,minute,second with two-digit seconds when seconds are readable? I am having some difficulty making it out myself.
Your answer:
2,57,04
